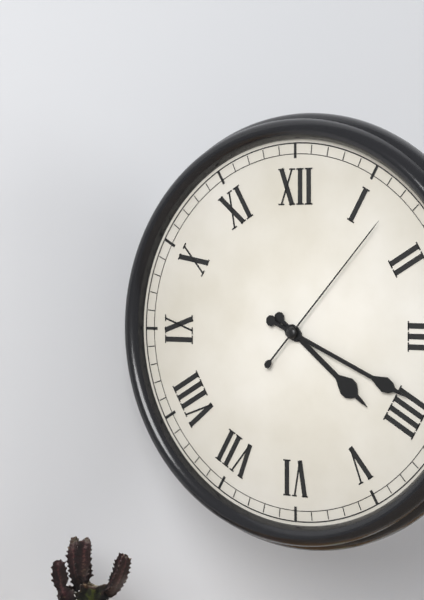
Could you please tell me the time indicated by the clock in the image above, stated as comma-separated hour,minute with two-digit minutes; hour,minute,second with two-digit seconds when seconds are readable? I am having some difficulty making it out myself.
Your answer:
4,19,07
